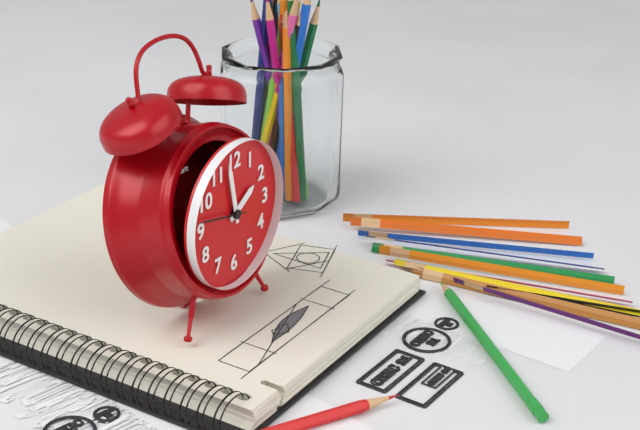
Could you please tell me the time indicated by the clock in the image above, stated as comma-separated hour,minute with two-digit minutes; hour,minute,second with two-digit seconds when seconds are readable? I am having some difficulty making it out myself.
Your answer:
1,58
